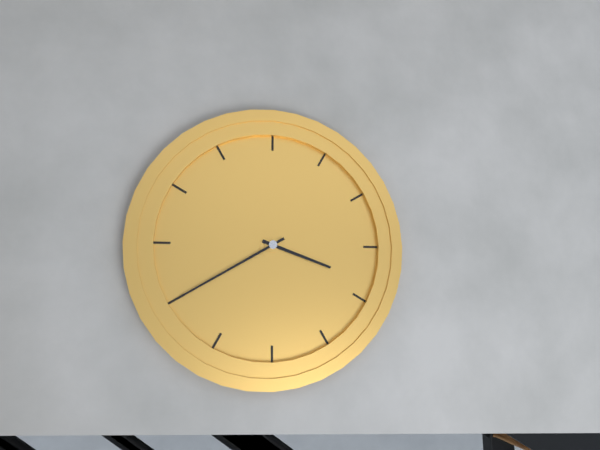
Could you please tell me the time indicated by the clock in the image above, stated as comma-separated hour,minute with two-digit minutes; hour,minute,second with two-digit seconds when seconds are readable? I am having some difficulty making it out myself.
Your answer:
3,40
